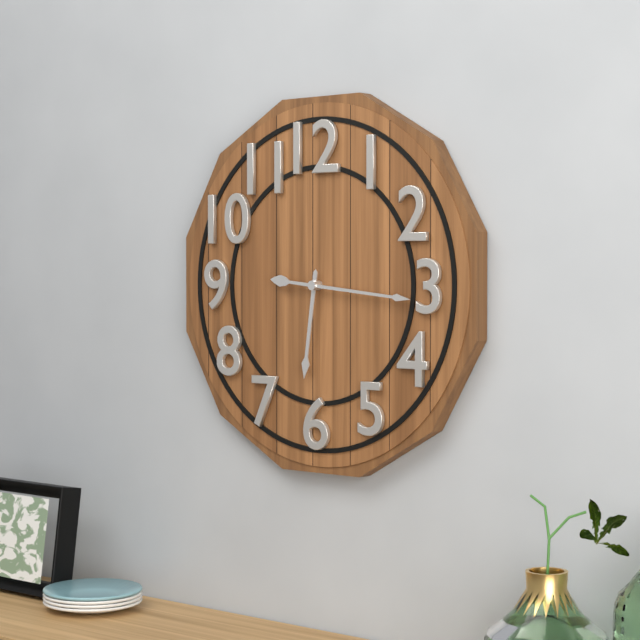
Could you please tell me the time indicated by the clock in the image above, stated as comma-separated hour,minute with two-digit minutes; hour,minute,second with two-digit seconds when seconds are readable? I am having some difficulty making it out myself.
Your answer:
6,16
